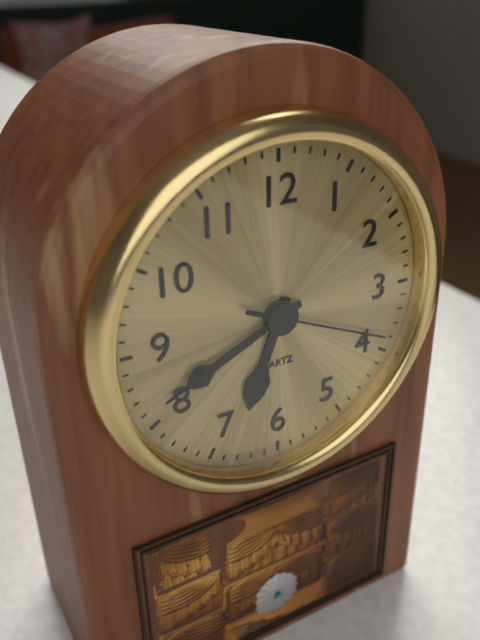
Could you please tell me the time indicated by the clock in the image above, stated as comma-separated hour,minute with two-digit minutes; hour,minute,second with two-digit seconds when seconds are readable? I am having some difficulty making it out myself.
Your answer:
6,41,19
